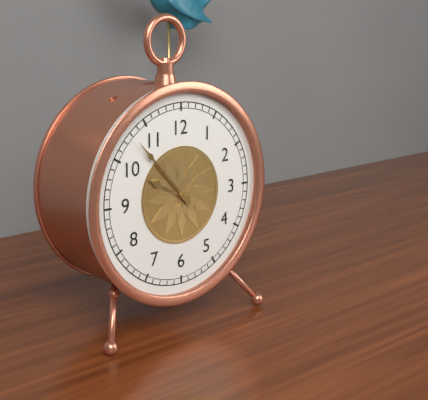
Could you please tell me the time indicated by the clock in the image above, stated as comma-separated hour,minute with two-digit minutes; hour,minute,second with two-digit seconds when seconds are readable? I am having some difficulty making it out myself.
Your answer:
9,53
